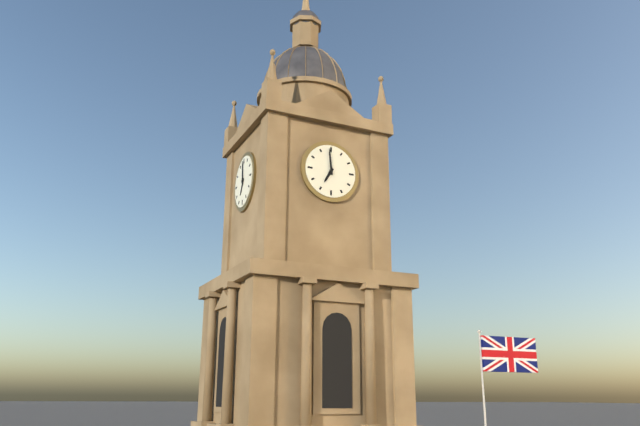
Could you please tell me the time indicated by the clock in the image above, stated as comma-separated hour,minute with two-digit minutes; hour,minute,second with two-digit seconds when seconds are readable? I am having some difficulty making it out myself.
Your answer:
6,59
